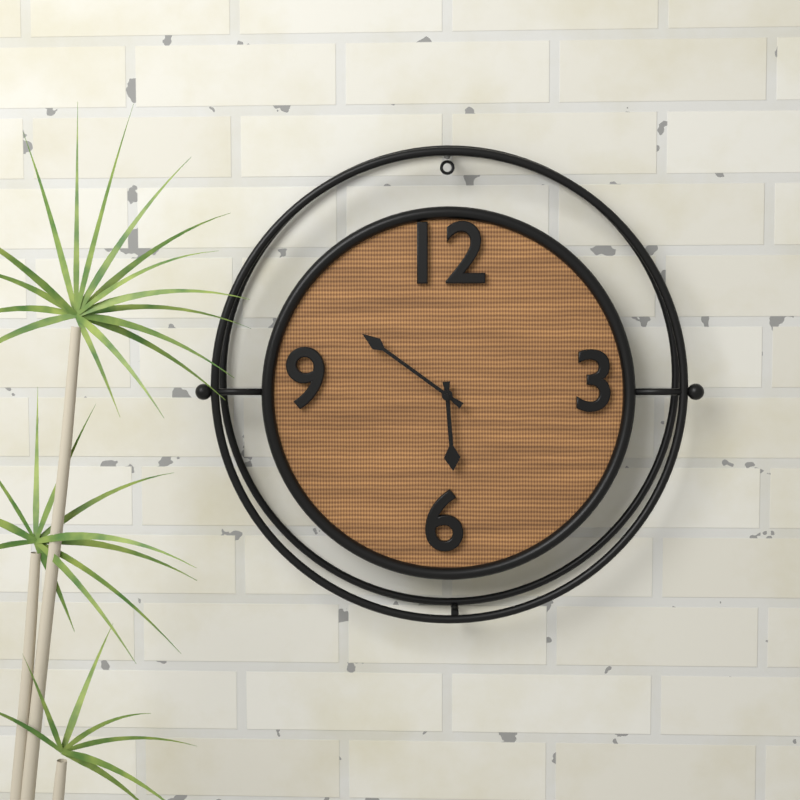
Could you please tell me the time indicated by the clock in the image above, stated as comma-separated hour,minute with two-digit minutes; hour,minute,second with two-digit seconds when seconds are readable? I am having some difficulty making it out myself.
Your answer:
5,51
